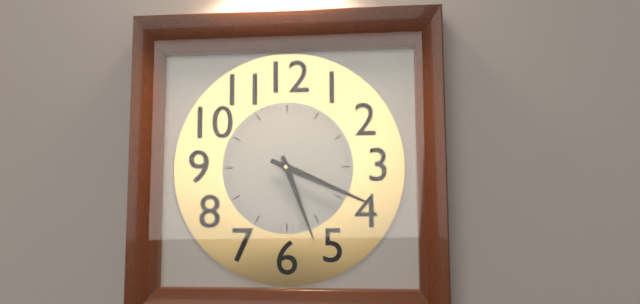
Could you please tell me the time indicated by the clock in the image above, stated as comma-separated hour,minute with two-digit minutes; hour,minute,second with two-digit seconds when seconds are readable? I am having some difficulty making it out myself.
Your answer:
5,19
